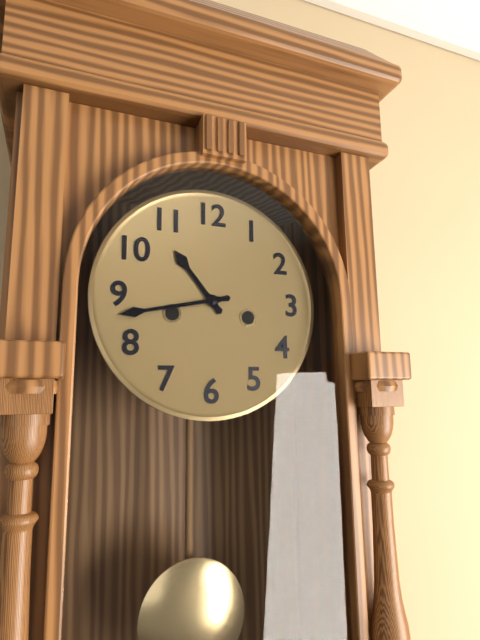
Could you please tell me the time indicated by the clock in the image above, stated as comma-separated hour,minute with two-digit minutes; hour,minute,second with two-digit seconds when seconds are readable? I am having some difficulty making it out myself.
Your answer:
10,43
